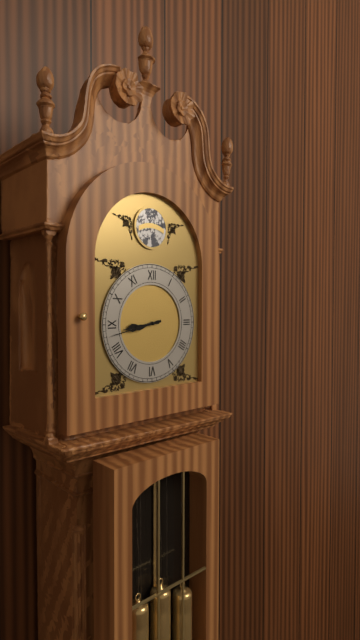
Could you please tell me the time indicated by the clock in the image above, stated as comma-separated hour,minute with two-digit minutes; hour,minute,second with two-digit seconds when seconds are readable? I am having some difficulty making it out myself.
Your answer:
8,43
